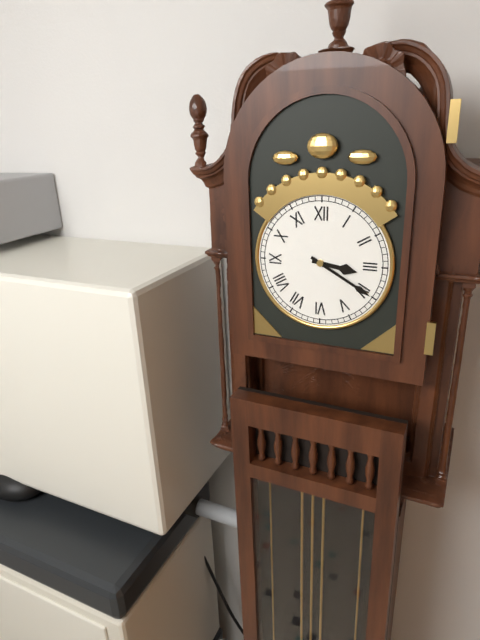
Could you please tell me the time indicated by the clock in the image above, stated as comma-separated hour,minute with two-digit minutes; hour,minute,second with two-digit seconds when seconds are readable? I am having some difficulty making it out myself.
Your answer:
3,20
